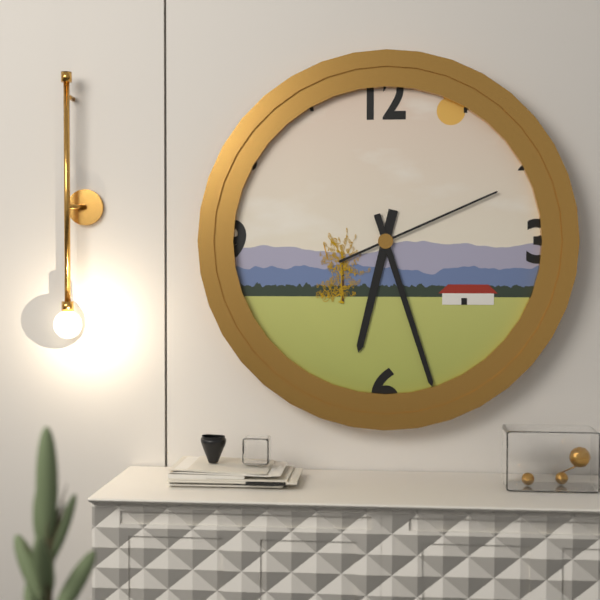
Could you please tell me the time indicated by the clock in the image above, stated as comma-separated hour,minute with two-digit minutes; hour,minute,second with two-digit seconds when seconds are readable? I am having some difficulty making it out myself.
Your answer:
6,27,11
